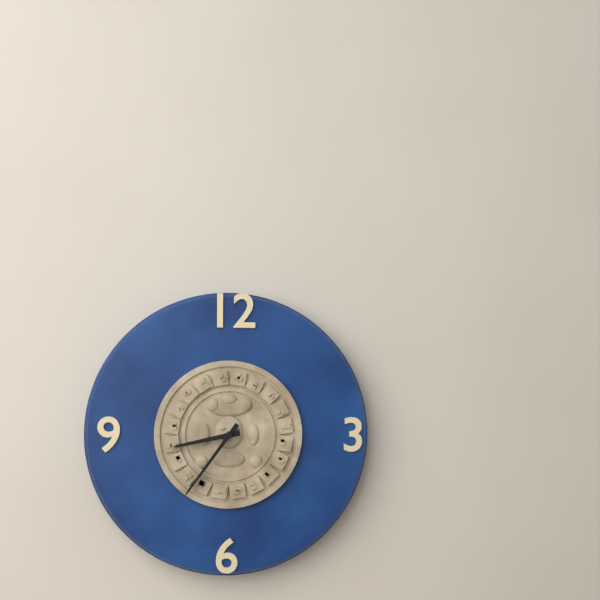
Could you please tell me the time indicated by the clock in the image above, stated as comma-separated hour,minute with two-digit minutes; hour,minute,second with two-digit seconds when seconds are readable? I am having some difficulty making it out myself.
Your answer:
8,36
